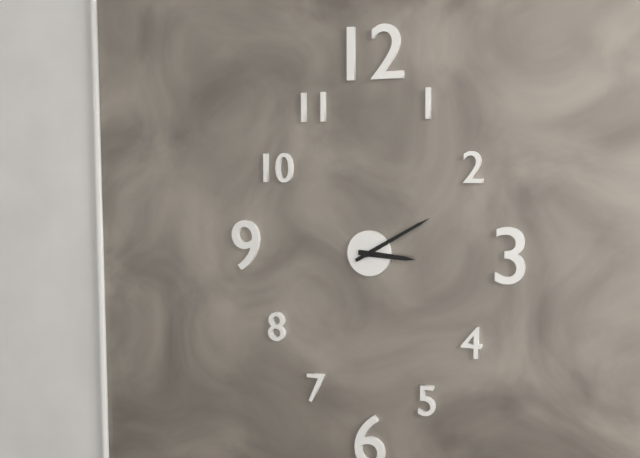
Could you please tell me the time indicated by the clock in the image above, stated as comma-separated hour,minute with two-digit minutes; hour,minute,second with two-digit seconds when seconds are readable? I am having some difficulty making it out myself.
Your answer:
3,10
